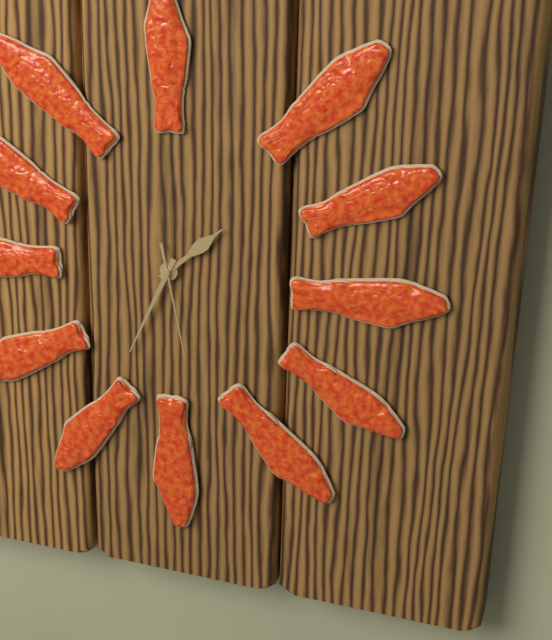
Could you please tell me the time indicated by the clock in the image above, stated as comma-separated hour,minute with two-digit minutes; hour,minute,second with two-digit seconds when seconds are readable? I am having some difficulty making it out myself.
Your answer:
1,34,28
